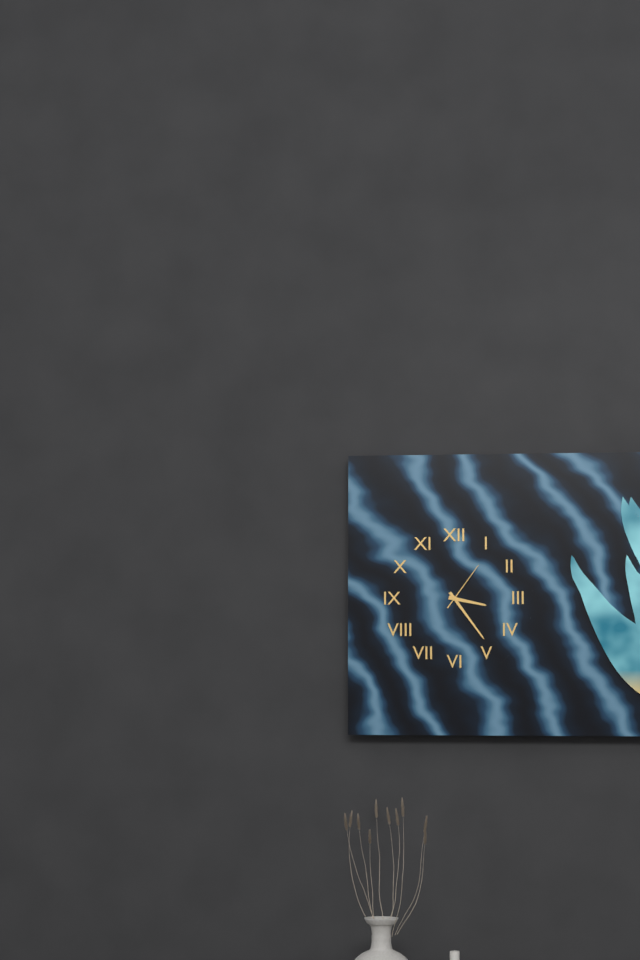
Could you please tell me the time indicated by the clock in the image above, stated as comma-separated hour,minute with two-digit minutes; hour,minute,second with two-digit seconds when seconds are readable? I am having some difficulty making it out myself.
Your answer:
3,24,06
